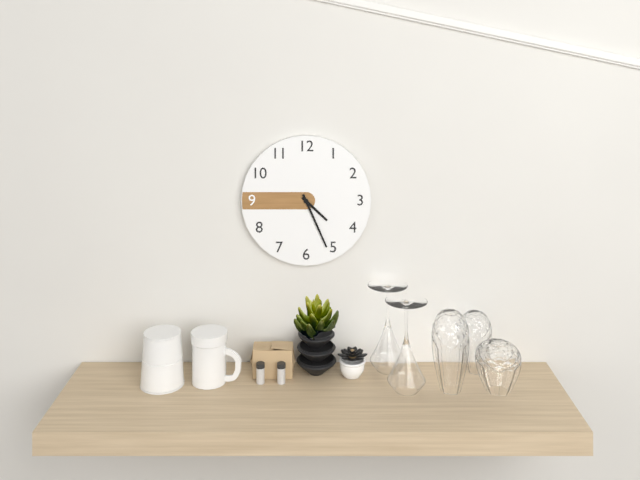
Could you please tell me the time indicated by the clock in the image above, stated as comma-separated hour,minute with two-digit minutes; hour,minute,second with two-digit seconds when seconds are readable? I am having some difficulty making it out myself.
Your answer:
4,26
